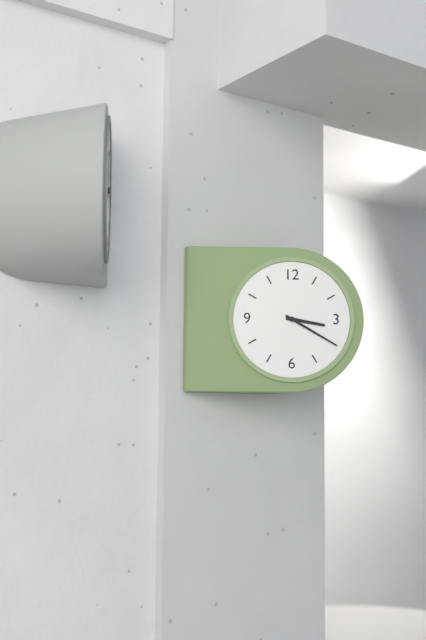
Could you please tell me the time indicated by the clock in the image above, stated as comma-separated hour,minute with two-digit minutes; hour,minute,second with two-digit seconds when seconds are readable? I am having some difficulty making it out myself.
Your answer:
3,20
